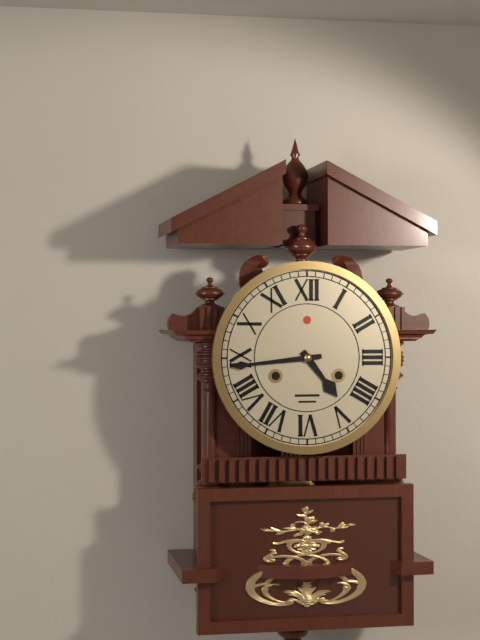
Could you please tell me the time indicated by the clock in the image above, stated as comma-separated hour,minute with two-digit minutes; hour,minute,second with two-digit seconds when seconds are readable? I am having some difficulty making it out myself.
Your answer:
4,44
